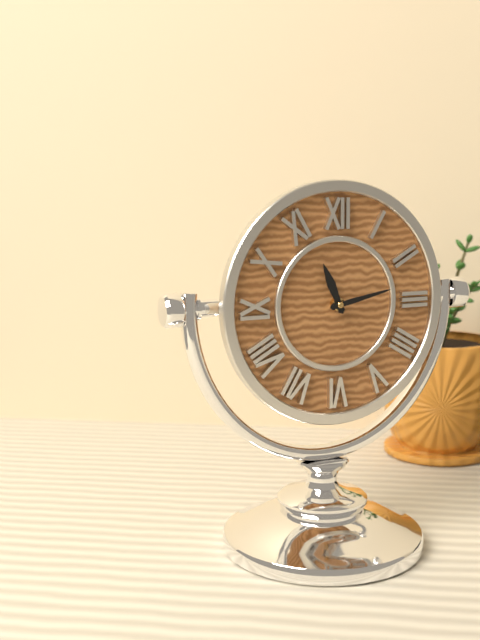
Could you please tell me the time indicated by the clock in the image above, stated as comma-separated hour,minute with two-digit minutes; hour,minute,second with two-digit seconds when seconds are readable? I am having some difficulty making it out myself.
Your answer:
11,13
